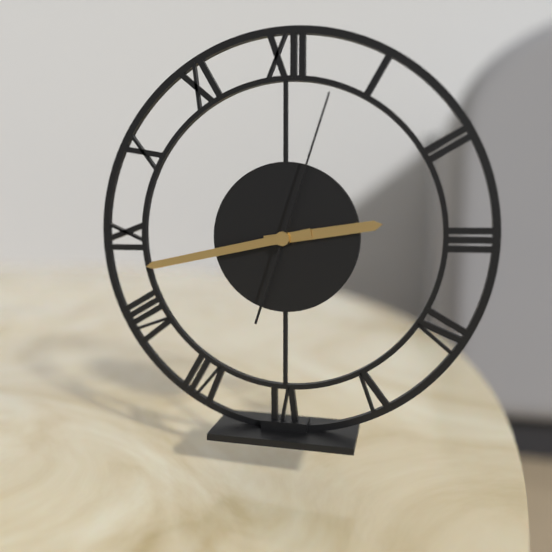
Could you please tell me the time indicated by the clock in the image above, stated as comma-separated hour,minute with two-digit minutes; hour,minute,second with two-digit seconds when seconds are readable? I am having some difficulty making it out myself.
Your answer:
2,43,03
